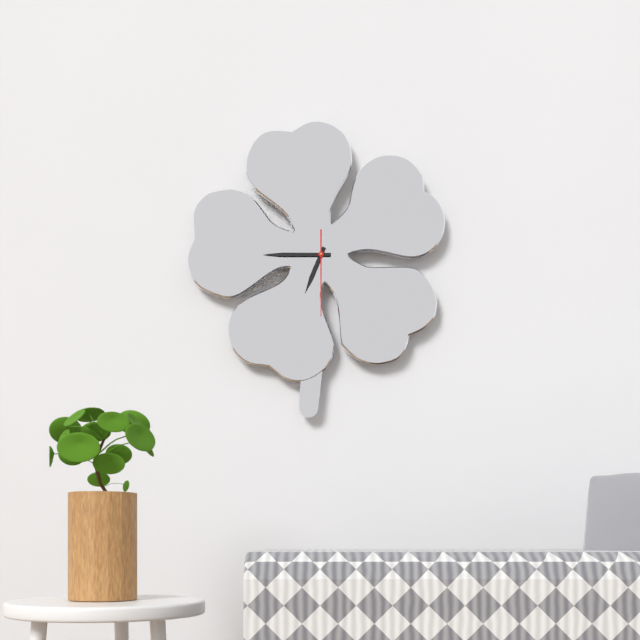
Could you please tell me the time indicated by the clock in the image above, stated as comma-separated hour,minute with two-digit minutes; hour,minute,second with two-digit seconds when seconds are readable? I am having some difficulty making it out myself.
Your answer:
6,45,30
